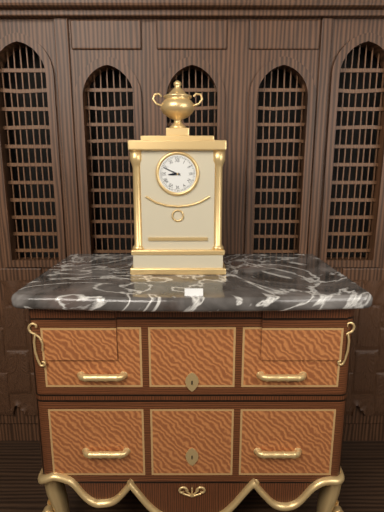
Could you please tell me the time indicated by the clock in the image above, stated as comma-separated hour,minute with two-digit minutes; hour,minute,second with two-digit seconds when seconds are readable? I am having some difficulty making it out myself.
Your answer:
8,49
